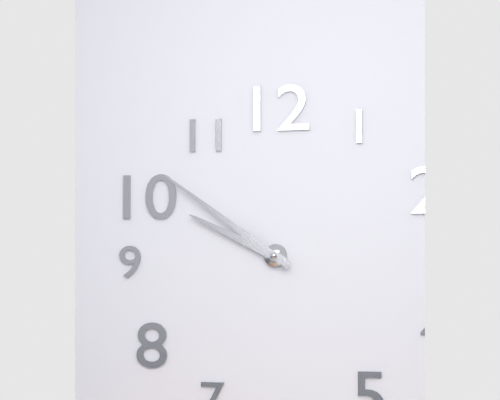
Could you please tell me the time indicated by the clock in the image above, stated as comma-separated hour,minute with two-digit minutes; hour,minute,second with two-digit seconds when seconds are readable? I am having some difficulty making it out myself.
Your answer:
9,51
